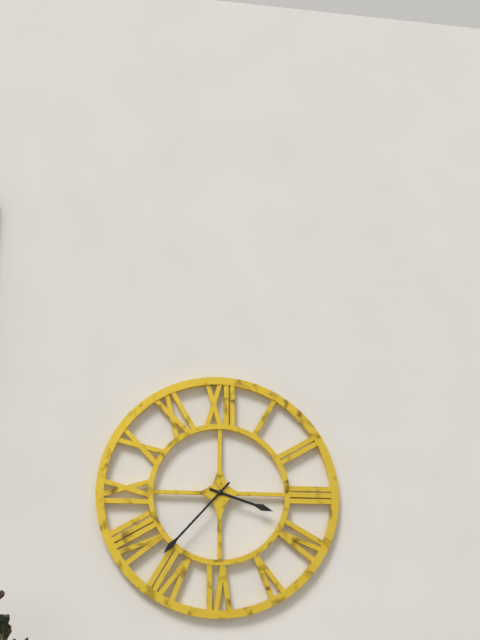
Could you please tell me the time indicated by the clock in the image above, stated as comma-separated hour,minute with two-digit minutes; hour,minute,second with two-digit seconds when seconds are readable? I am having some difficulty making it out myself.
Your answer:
3,37
